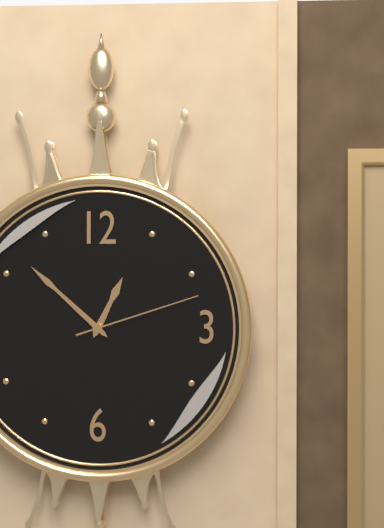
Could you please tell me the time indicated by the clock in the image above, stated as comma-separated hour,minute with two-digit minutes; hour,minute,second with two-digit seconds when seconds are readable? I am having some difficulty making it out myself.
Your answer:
12,52,12
